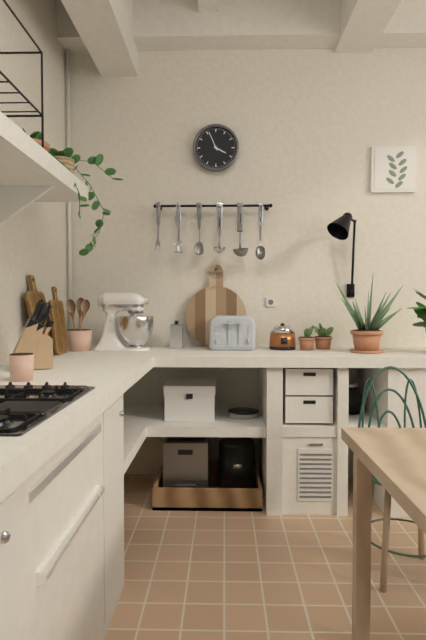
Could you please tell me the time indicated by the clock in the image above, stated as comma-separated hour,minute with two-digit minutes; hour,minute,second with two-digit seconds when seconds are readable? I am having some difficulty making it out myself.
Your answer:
3,56
